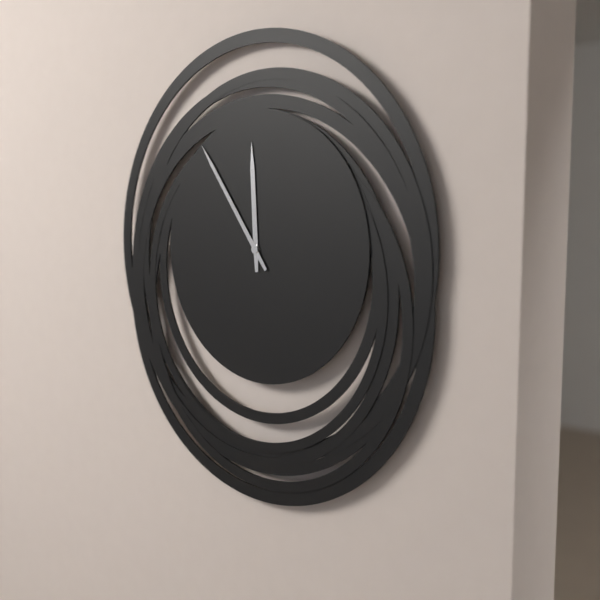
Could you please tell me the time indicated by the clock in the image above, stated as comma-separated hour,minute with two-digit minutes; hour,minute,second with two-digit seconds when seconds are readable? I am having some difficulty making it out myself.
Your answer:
11,54
